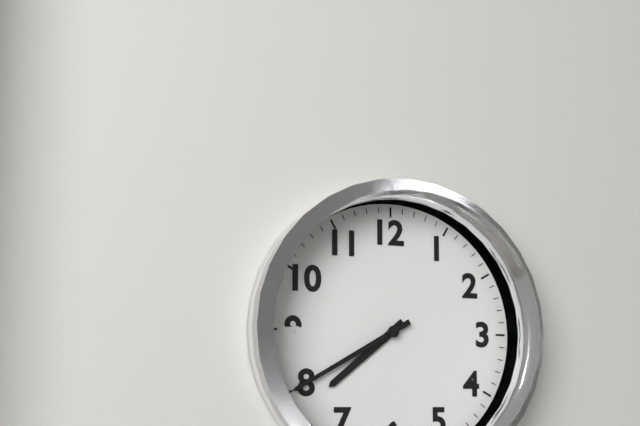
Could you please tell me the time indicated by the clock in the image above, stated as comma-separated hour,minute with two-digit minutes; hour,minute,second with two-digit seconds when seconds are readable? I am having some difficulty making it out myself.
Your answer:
7,40
